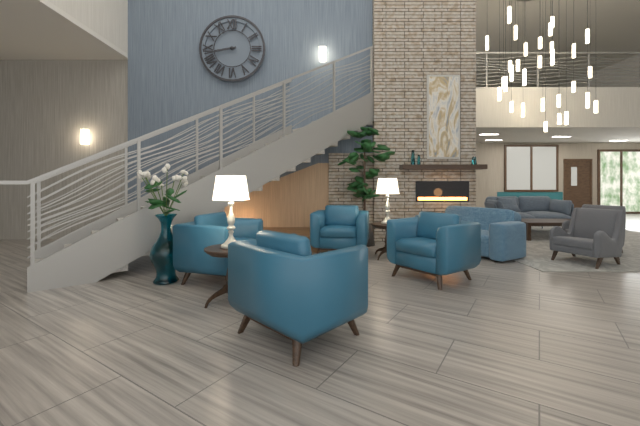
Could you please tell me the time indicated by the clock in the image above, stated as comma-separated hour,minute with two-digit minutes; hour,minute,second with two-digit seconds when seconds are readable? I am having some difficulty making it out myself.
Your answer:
8,43
